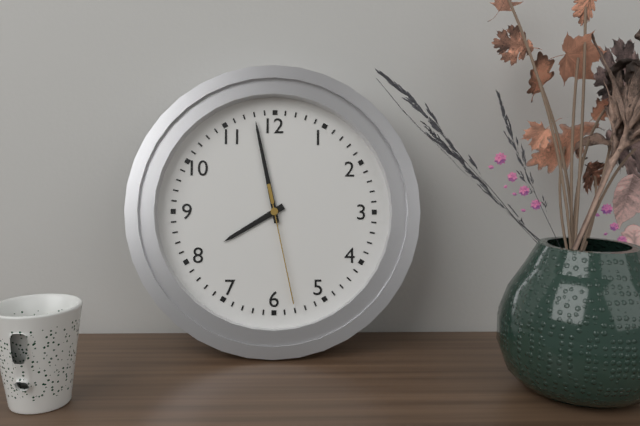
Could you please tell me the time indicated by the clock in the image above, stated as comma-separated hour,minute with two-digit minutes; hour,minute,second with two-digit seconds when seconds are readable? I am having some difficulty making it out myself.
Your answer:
7,58,28
